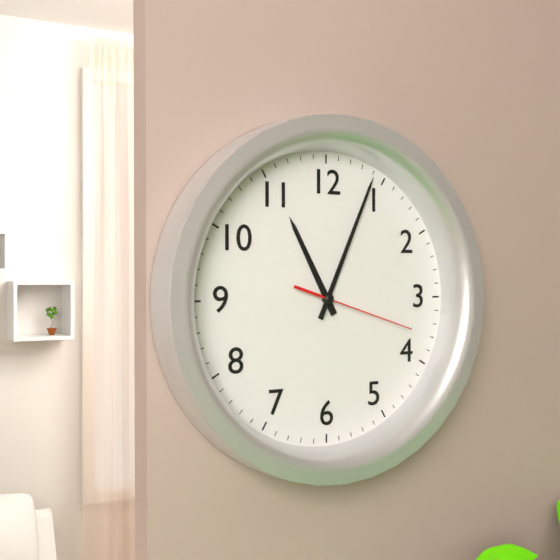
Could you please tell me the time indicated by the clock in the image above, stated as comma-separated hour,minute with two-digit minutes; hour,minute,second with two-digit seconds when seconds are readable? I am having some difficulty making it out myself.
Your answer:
11,04,18
